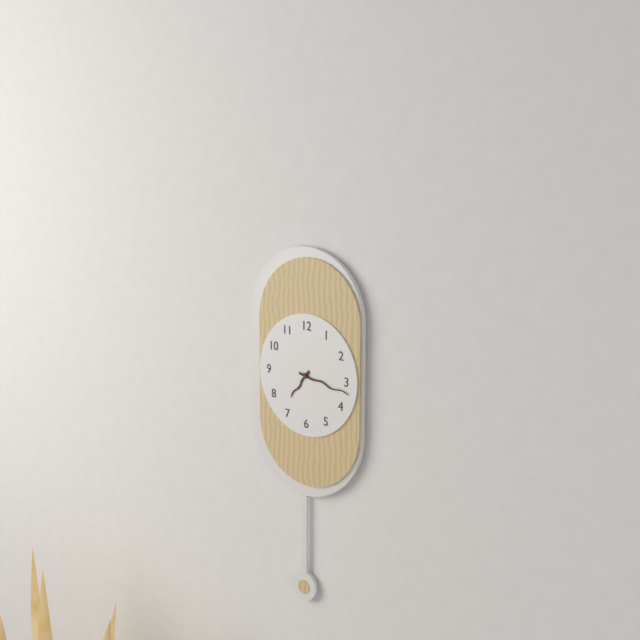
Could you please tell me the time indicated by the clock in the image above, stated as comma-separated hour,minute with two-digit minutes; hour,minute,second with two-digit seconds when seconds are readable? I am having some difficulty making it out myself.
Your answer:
7,17
